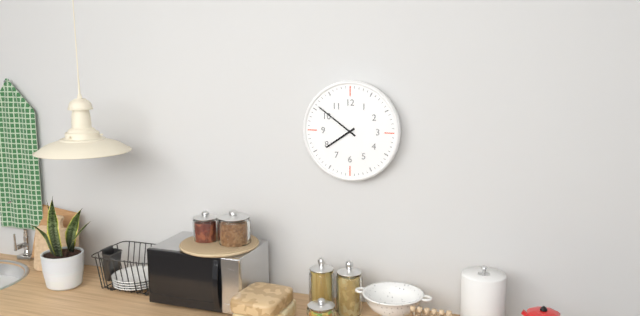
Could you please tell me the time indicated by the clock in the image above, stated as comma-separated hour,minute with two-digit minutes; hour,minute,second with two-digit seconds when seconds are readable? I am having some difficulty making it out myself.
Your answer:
7,51
